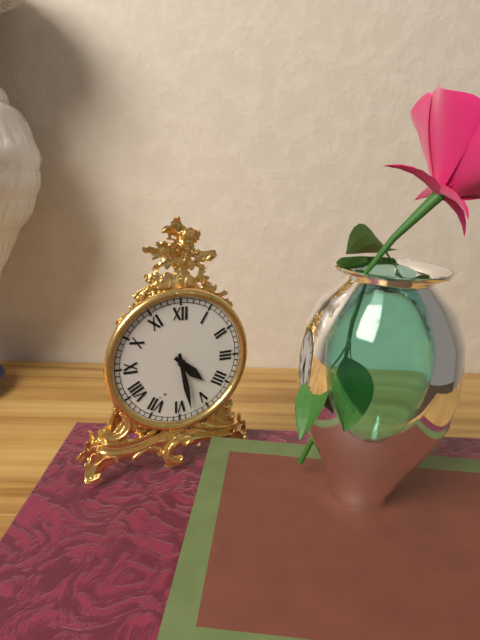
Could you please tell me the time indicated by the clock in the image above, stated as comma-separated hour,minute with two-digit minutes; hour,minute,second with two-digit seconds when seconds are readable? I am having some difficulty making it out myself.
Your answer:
4,28
